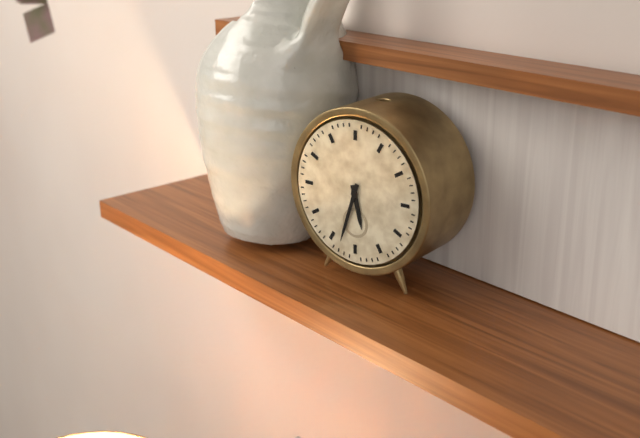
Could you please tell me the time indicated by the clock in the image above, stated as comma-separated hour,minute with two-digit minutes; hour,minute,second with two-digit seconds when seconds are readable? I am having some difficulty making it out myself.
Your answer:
5,33
